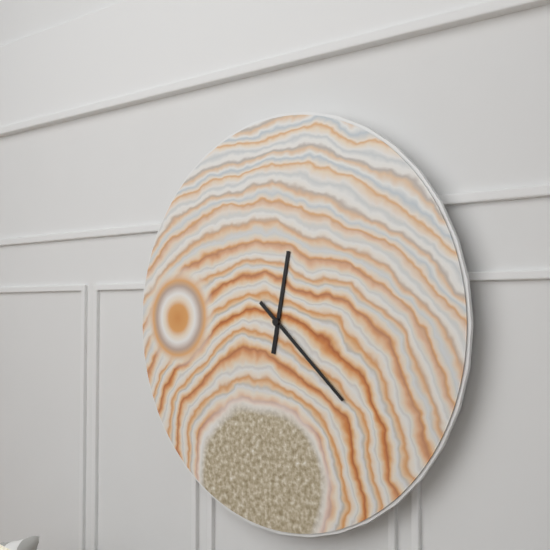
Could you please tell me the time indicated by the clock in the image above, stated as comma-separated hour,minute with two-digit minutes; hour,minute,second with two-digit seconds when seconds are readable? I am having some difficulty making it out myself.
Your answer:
12,22
